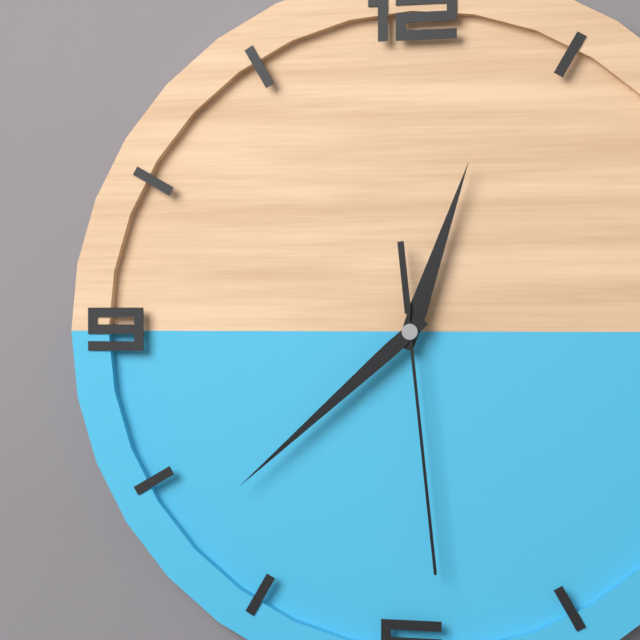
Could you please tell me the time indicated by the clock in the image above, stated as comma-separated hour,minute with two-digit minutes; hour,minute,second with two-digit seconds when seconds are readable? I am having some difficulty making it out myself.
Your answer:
12,38,29
